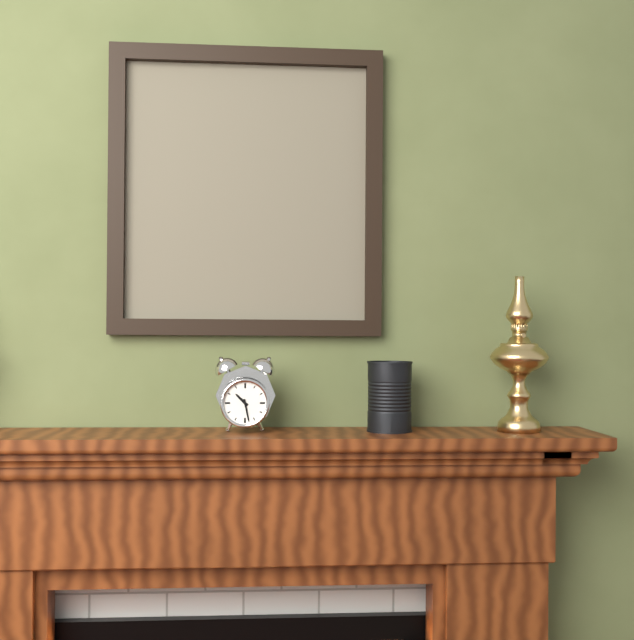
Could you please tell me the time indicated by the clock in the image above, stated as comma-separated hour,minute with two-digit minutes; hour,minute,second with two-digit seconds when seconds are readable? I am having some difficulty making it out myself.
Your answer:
10,28
